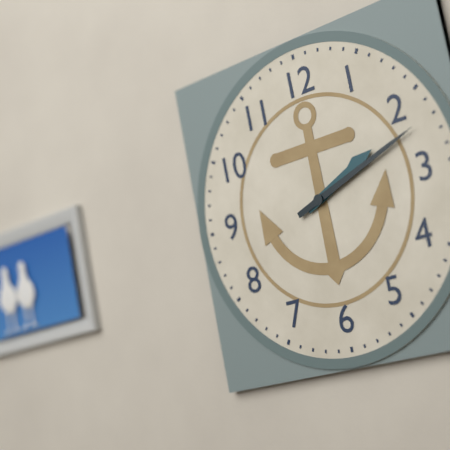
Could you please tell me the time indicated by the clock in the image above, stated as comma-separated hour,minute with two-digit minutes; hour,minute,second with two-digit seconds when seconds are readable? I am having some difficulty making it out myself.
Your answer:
2,12
